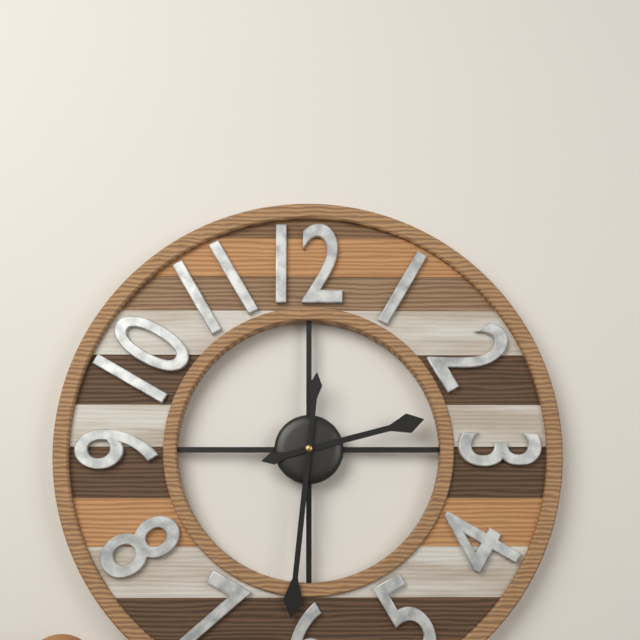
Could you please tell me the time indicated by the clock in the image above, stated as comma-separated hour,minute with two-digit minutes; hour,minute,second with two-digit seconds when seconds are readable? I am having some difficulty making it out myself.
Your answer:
2,31
